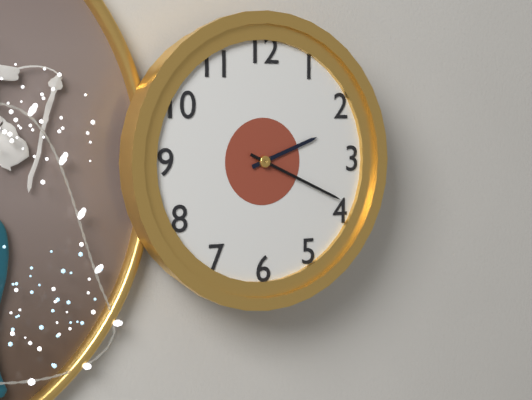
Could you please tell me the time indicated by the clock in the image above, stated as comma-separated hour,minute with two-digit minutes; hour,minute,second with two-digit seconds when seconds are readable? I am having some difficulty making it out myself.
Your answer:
2,19
